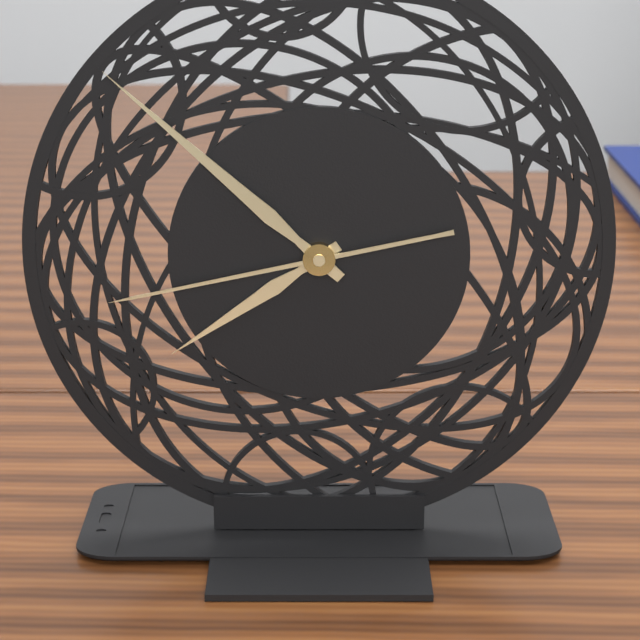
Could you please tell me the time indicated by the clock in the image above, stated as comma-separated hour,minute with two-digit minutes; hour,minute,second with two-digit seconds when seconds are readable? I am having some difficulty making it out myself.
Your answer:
7,52,43
